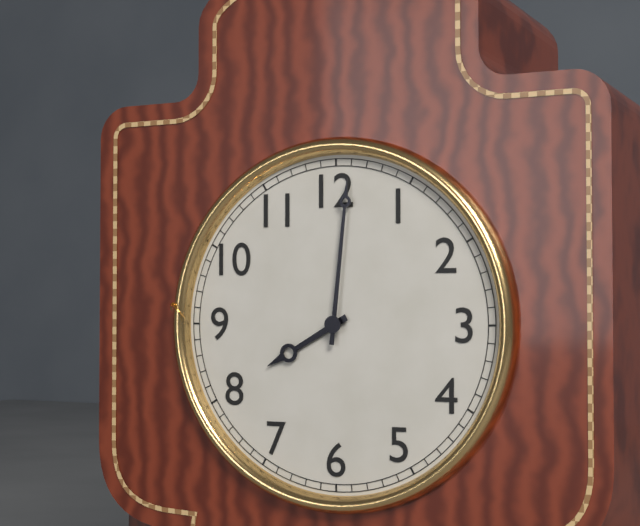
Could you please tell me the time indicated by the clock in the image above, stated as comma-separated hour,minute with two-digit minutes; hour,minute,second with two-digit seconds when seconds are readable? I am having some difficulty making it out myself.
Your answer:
8,01
